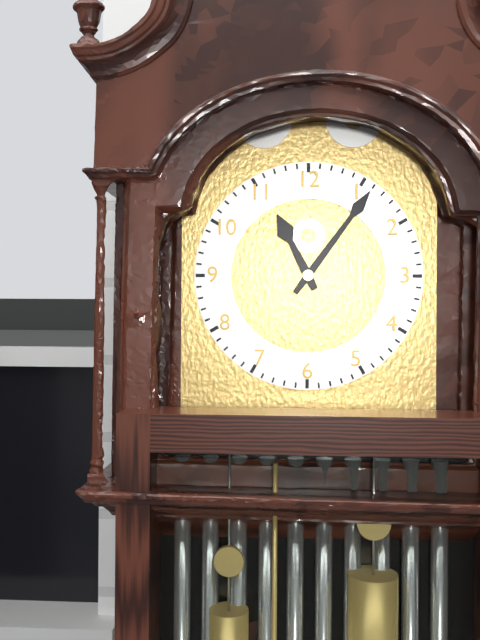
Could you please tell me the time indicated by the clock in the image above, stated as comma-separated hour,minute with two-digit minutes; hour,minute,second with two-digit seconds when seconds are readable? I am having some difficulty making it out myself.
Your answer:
11,06
